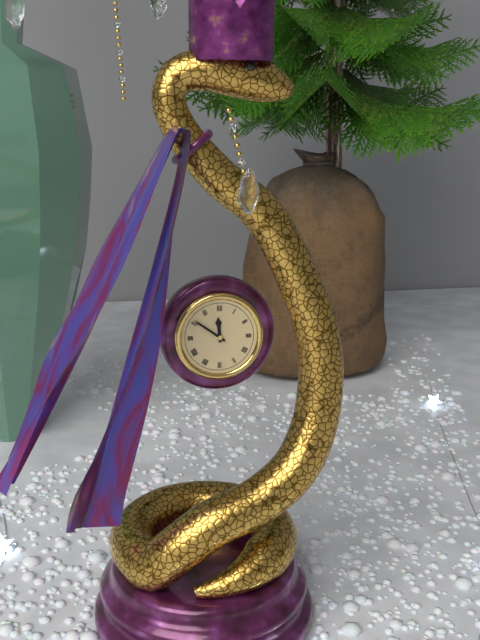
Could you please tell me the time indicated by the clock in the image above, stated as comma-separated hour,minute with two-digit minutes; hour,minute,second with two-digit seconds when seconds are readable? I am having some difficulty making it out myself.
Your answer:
11,51
